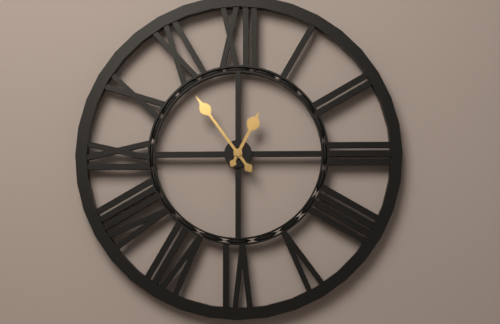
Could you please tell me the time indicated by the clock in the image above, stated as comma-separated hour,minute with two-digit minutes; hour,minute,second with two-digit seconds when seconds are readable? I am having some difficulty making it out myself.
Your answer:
12,54
